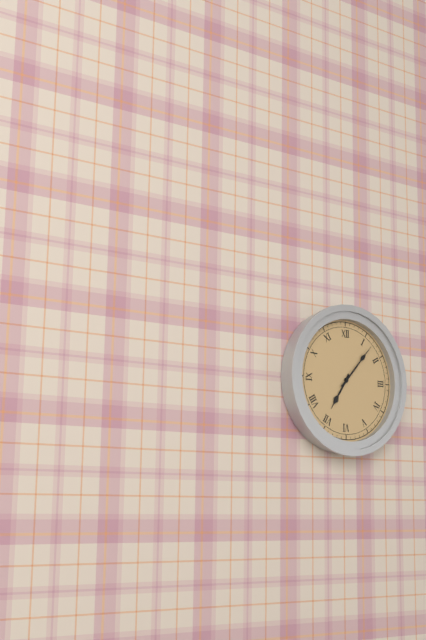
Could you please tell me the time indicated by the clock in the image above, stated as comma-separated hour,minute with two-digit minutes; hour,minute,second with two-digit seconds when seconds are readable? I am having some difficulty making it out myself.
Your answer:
7,07
